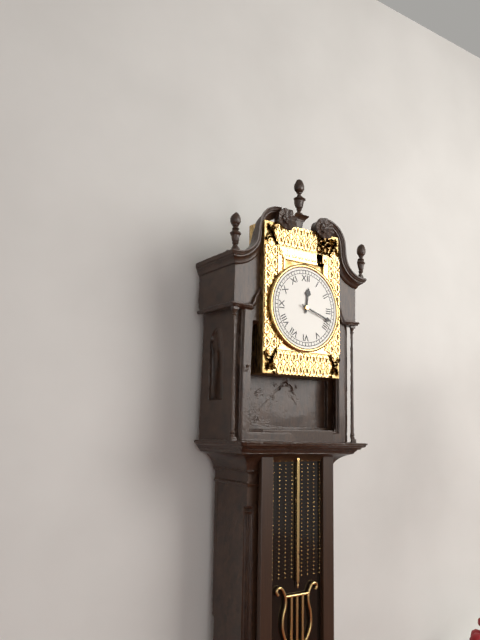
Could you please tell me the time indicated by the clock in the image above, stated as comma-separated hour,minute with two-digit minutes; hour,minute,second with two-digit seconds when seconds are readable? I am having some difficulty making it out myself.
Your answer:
12,18
